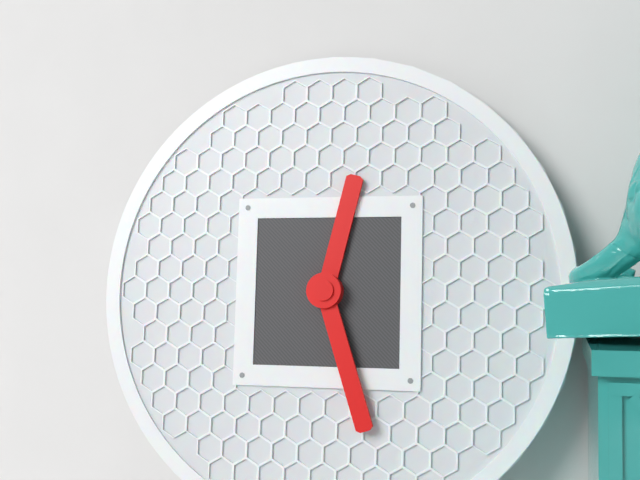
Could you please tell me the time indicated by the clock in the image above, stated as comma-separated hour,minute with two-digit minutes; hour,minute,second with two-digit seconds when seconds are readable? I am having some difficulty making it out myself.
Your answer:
12,27
